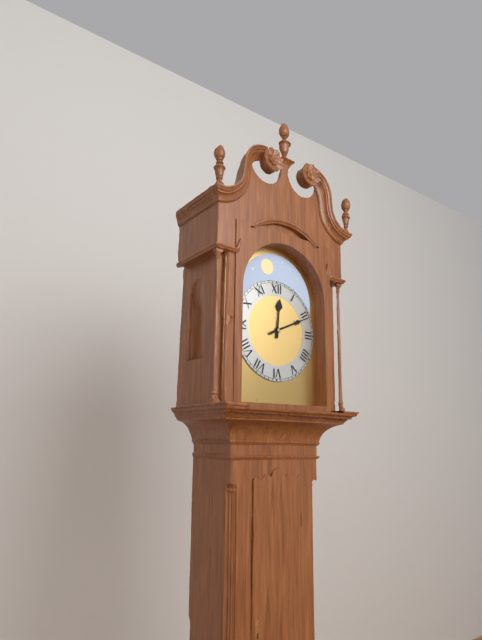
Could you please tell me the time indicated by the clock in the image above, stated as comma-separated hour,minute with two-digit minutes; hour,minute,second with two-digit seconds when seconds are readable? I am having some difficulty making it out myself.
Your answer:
12,11
